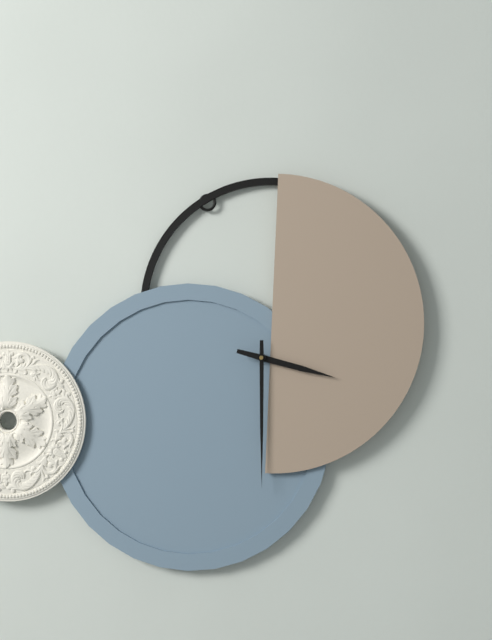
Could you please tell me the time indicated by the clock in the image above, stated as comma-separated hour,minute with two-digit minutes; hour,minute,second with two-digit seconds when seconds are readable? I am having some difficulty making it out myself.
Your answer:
3,30
